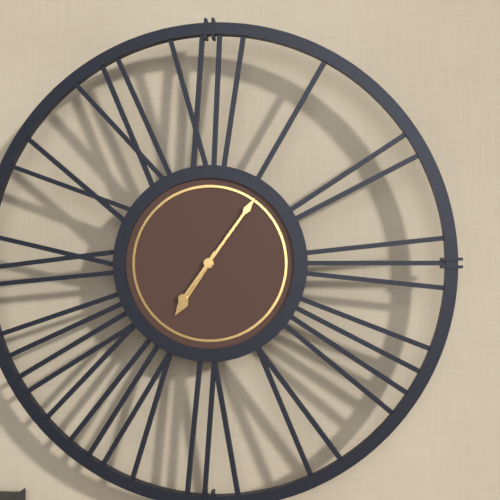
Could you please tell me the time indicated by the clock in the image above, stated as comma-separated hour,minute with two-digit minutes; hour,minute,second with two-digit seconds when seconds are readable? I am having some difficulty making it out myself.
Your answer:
7,06
